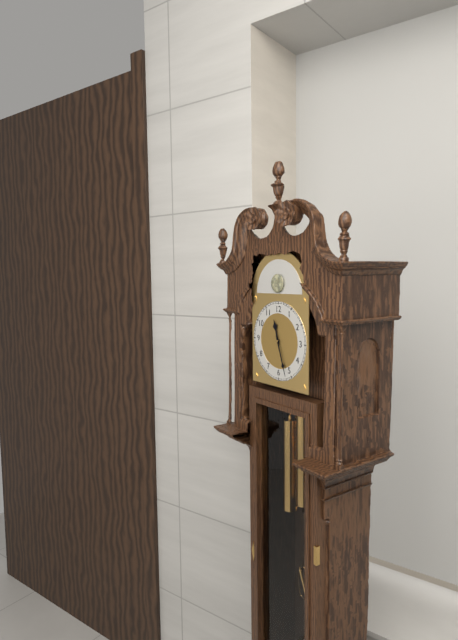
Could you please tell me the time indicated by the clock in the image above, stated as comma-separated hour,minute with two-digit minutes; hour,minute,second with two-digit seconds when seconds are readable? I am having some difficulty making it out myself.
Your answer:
11,27
